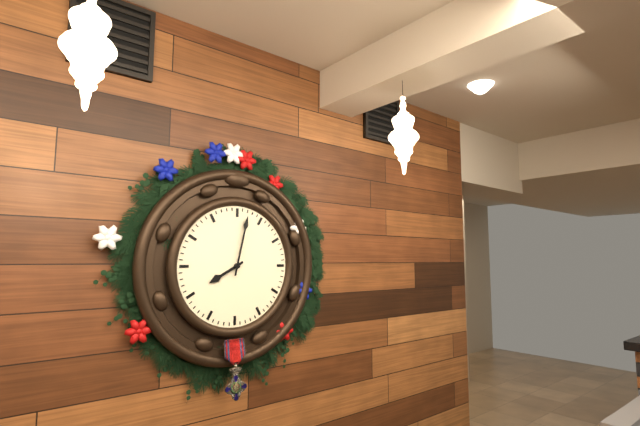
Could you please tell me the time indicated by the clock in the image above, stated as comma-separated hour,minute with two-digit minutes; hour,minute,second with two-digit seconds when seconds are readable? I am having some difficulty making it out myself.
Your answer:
8,02
